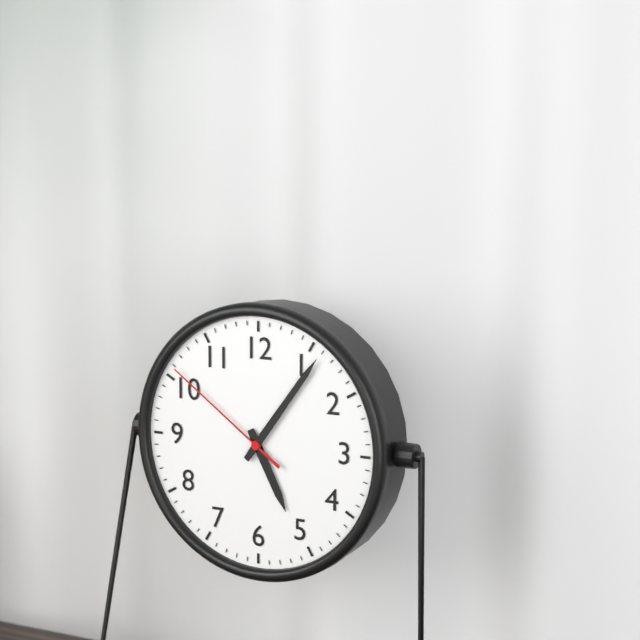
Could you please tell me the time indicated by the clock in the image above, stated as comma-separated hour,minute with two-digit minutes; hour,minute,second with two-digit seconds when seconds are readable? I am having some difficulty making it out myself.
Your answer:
5,06,51
